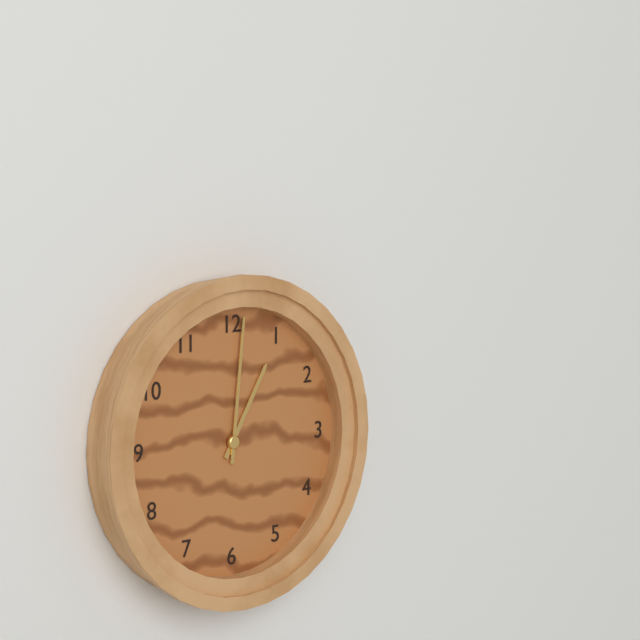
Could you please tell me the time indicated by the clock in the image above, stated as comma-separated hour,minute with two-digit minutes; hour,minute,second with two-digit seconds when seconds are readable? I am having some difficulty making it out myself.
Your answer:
1,01
